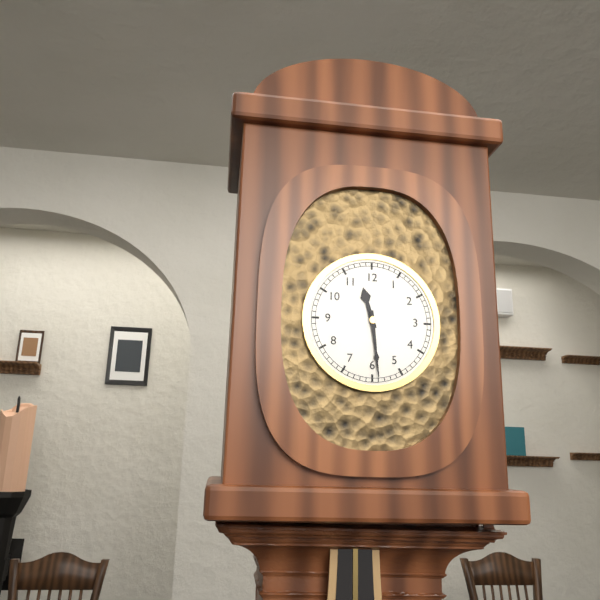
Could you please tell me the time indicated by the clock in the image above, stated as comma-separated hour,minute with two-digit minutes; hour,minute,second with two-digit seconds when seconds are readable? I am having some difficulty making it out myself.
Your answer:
11,29
